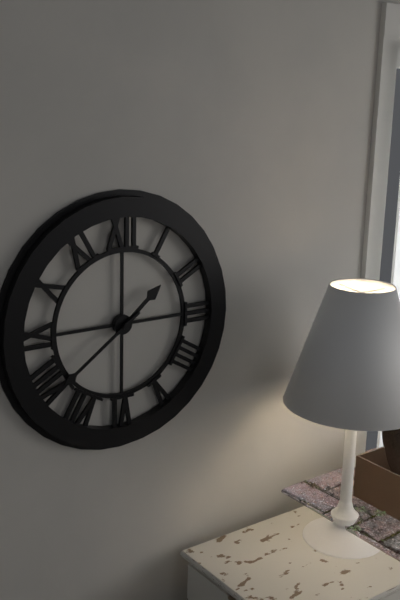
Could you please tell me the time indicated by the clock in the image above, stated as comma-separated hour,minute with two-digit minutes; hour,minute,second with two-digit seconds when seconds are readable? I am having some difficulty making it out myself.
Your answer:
1,39
